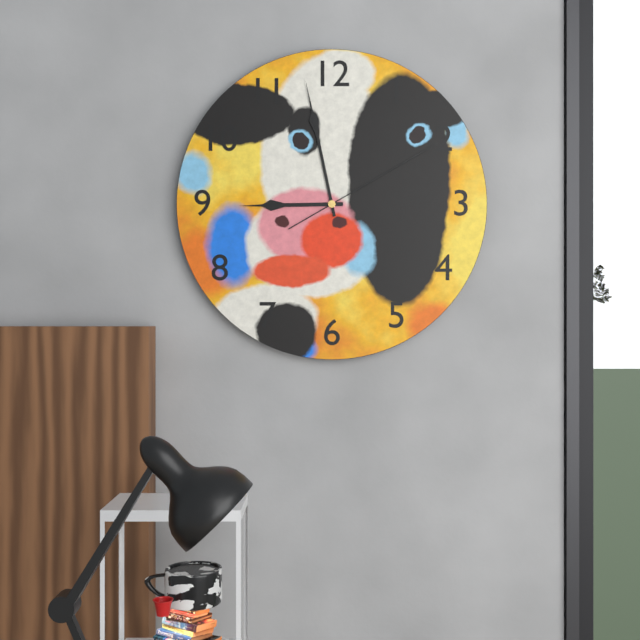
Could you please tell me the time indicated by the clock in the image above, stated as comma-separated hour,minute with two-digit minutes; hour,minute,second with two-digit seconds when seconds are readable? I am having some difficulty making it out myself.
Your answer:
8,58,10
